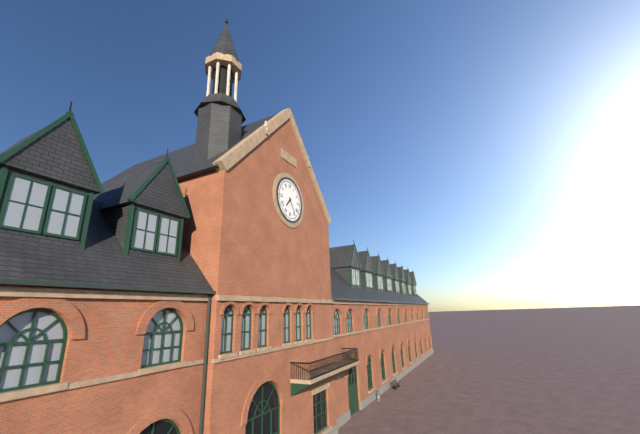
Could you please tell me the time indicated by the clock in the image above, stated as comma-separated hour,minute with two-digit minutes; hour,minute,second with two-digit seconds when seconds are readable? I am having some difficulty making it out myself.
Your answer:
7,24
